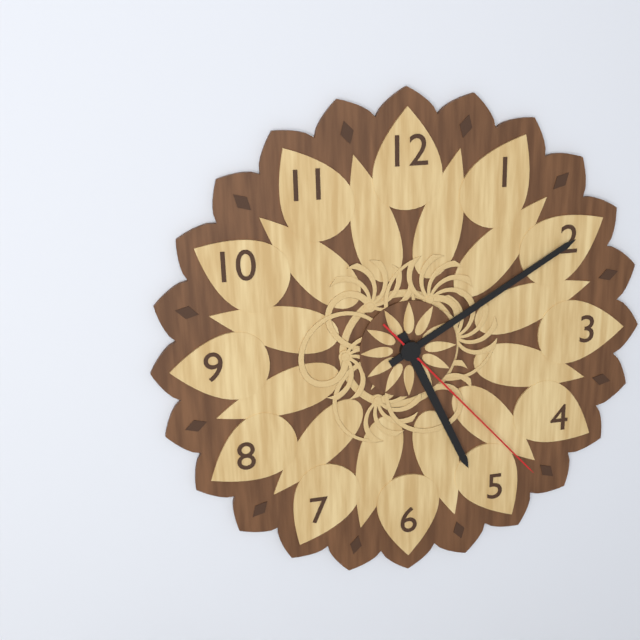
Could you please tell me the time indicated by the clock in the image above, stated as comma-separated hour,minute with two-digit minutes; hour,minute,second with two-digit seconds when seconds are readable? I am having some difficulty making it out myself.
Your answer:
5,10,23
